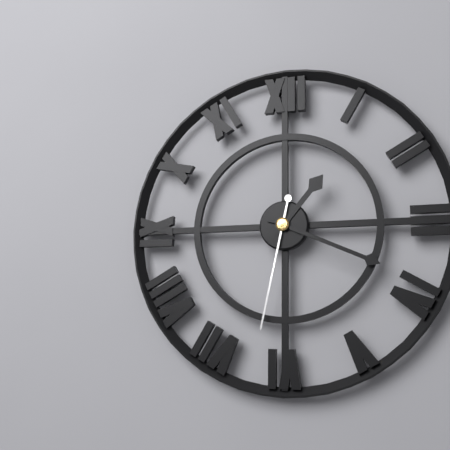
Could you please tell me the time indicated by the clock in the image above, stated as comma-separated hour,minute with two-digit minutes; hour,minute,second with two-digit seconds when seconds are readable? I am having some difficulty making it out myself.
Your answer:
1,19,32
